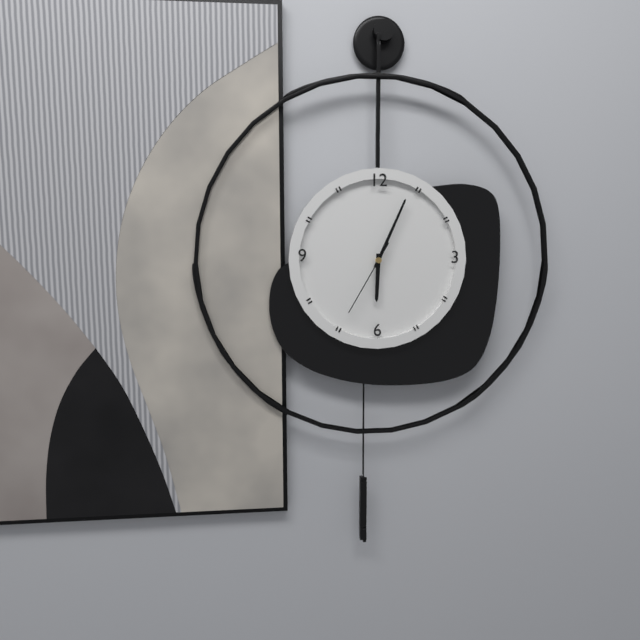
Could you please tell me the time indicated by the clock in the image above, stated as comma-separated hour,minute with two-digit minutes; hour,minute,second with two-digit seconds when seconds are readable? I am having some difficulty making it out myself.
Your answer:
6,04,35
